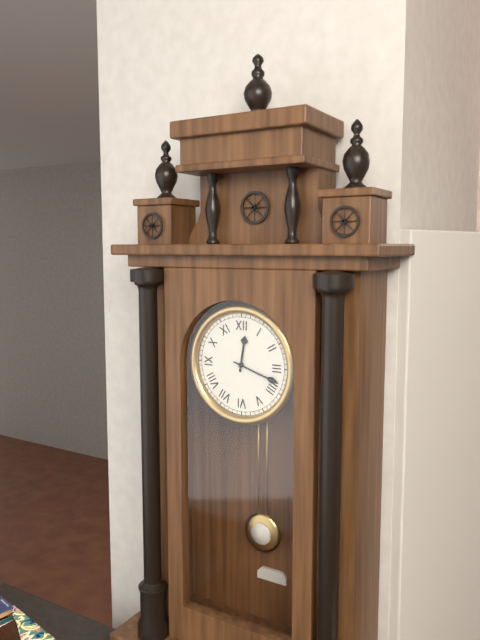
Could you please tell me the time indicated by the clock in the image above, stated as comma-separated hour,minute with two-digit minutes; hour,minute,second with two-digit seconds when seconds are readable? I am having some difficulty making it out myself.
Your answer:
12,18
